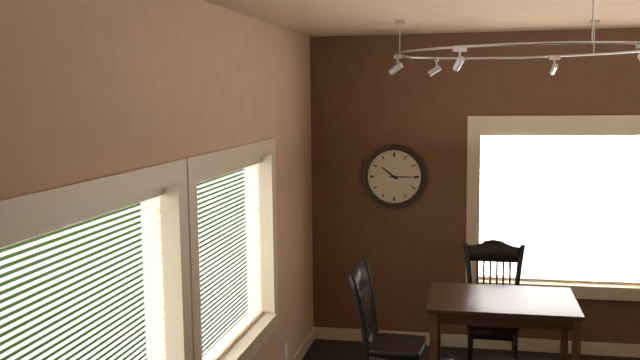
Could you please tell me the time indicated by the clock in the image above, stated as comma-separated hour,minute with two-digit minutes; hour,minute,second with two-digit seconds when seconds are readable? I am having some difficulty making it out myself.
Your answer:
10,15
